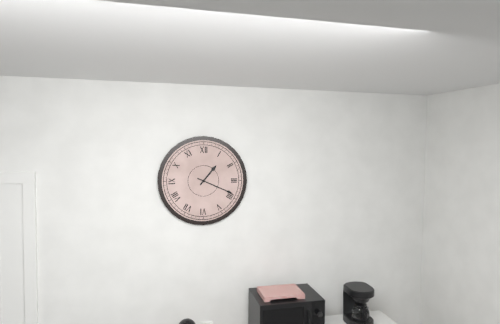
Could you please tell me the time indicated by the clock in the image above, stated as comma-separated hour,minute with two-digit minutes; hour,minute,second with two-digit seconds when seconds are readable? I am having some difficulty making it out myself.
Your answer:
1,19
